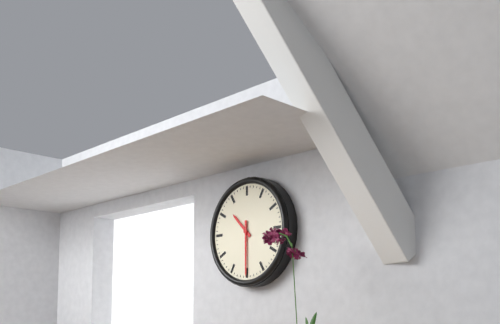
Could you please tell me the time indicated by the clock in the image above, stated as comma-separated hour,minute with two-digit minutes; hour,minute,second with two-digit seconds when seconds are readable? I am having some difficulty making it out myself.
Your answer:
10,30
